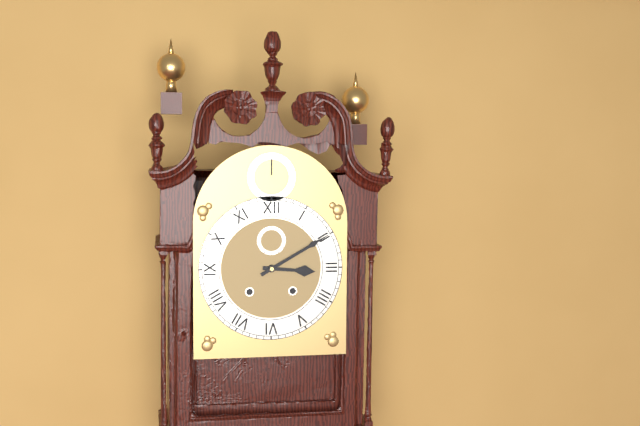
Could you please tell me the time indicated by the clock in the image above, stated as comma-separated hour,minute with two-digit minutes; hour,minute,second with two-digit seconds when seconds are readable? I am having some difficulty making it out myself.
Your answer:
3,10
